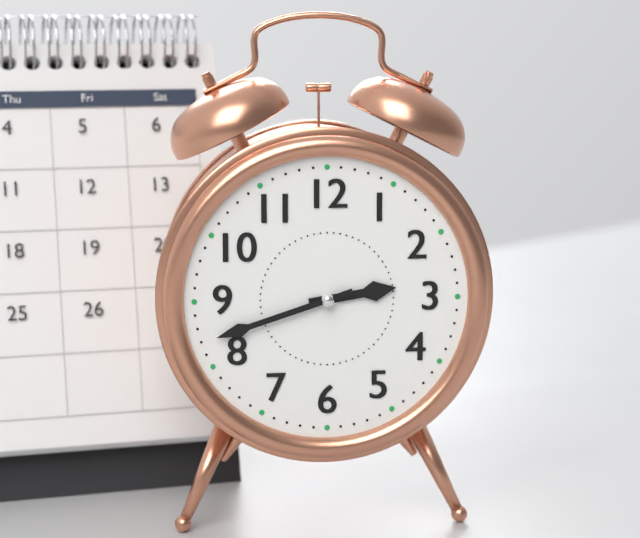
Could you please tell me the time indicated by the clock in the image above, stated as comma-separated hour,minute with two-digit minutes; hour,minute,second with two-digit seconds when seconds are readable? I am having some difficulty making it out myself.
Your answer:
2,42
